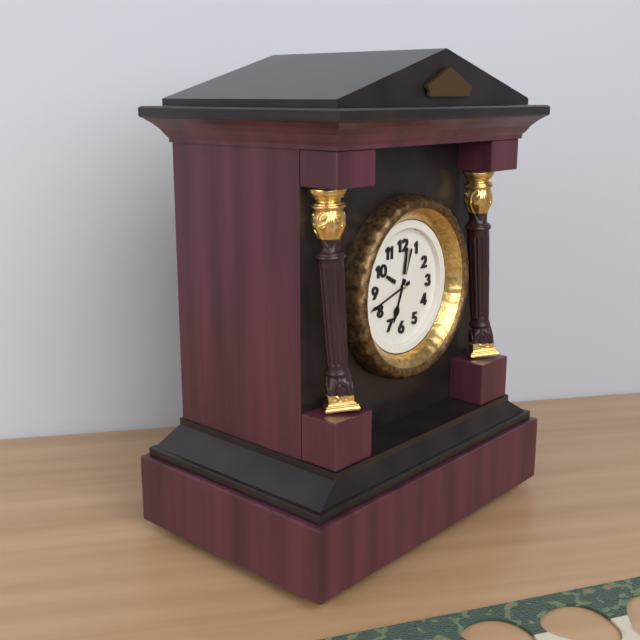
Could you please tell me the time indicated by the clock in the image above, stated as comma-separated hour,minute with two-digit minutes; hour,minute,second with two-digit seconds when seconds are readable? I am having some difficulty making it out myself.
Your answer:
6,42
